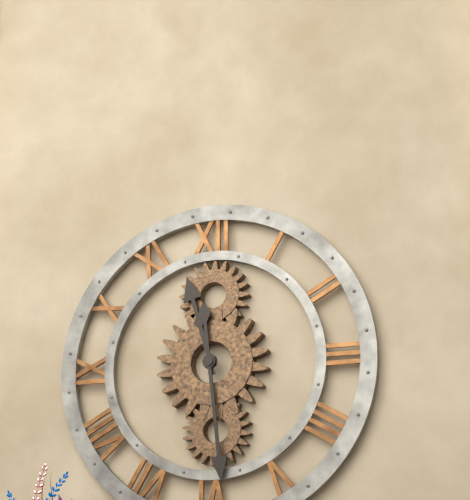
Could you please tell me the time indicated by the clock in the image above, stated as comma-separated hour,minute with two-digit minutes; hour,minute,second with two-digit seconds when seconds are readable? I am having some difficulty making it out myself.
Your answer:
11,29
